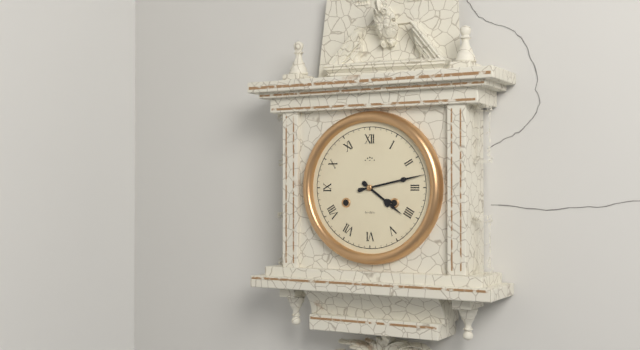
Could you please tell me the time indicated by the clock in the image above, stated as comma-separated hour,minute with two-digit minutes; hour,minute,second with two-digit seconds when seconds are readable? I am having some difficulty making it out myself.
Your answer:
4,13
